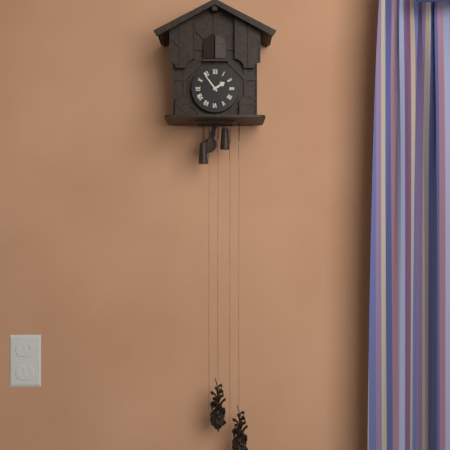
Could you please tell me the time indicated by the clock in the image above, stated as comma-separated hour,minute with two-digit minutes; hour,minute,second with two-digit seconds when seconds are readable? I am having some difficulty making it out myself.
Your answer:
1,54
